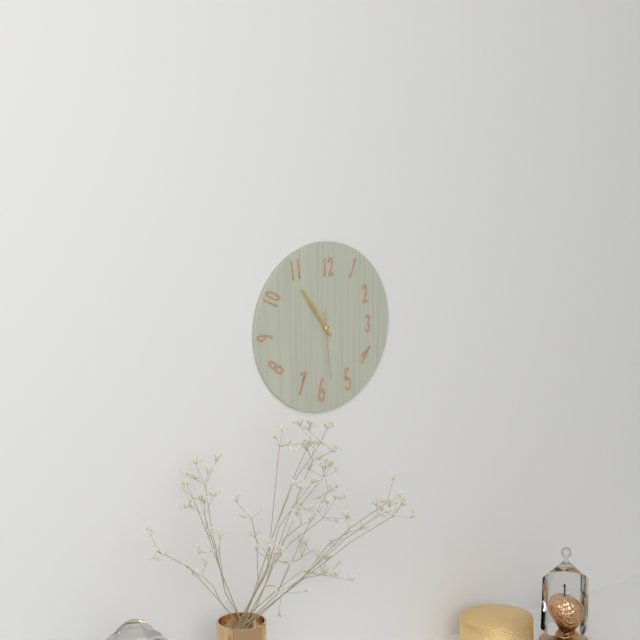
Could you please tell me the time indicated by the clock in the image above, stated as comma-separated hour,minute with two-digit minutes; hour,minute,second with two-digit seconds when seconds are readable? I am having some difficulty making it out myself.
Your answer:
10,54,29
